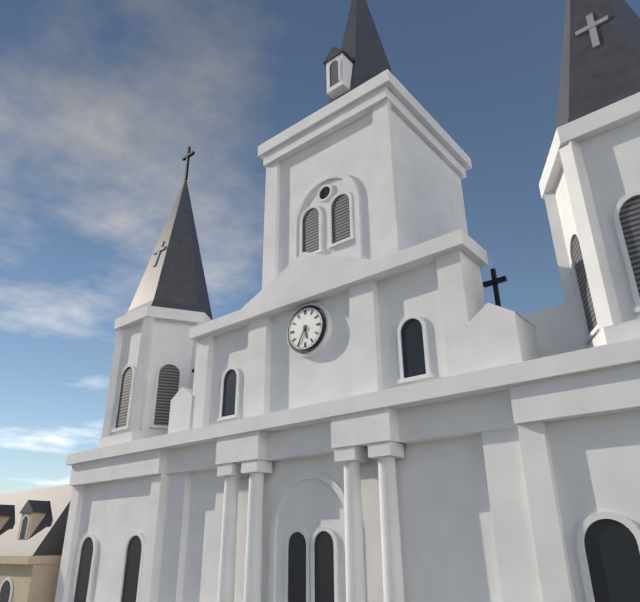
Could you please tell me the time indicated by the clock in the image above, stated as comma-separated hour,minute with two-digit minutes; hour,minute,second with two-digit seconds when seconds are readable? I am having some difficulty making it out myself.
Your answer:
5,35
